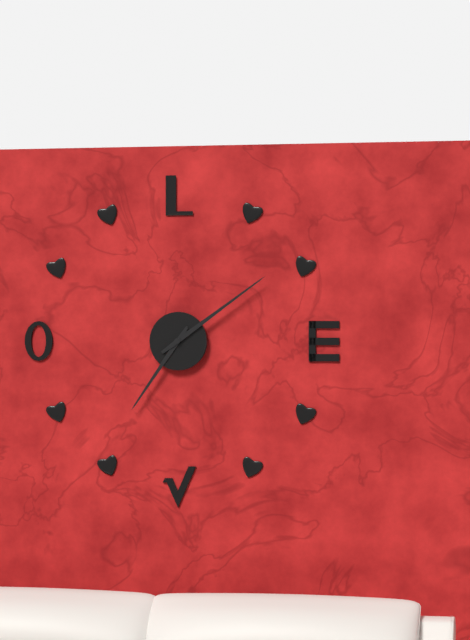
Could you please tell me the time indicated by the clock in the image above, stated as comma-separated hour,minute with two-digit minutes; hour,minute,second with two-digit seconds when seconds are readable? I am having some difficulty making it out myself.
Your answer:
7,09
